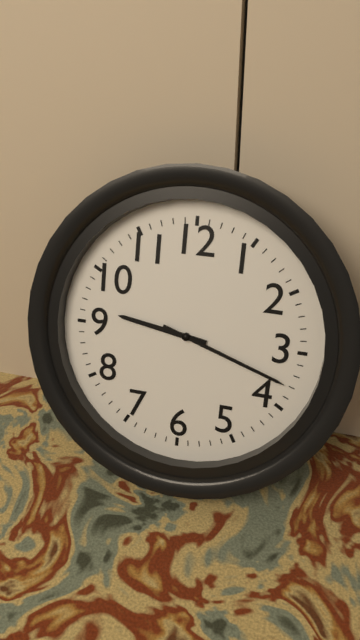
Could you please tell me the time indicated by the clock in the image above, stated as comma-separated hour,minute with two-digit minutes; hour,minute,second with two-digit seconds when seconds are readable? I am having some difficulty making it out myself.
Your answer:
9,18
